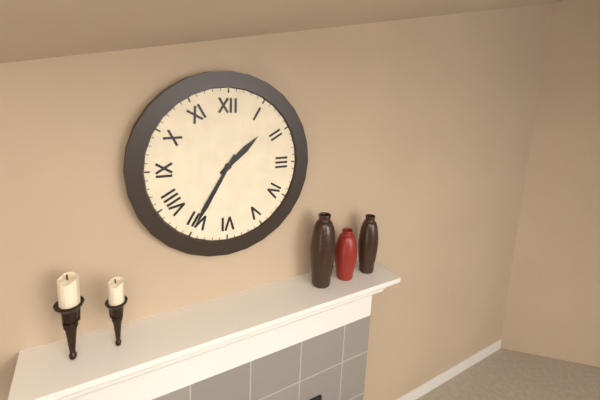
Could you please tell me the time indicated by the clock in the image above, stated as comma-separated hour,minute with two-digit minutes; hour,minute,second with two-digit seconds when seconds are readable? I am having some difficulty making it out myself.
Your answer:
1,35
